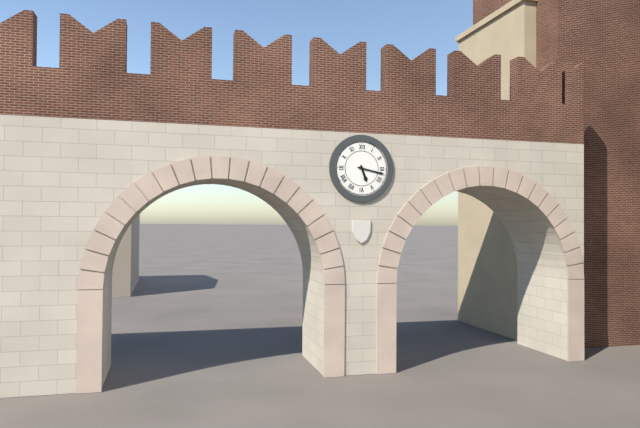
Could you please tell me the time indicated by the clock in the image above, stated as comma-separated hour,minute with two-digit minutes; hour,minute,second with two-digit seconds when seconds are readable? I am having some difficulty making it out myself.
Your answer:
5,17
